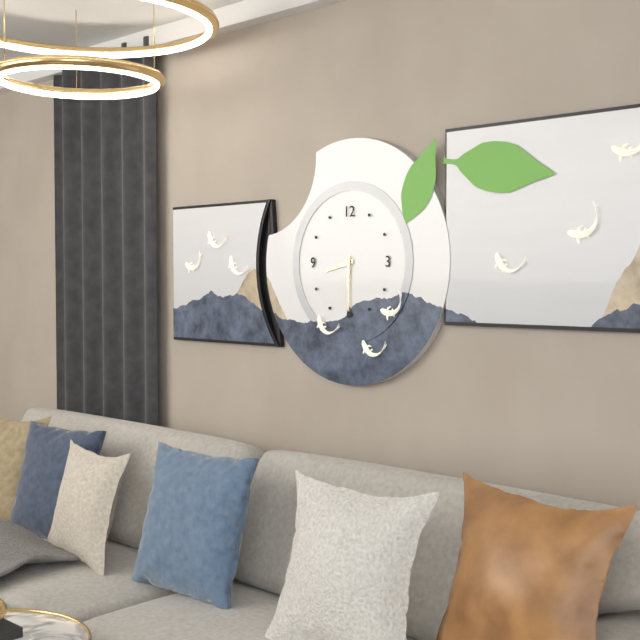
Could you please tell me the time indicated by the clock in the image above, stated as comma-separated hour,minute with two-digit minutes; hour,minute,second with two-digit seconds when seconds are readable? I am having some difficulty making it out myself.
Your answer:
8,30
